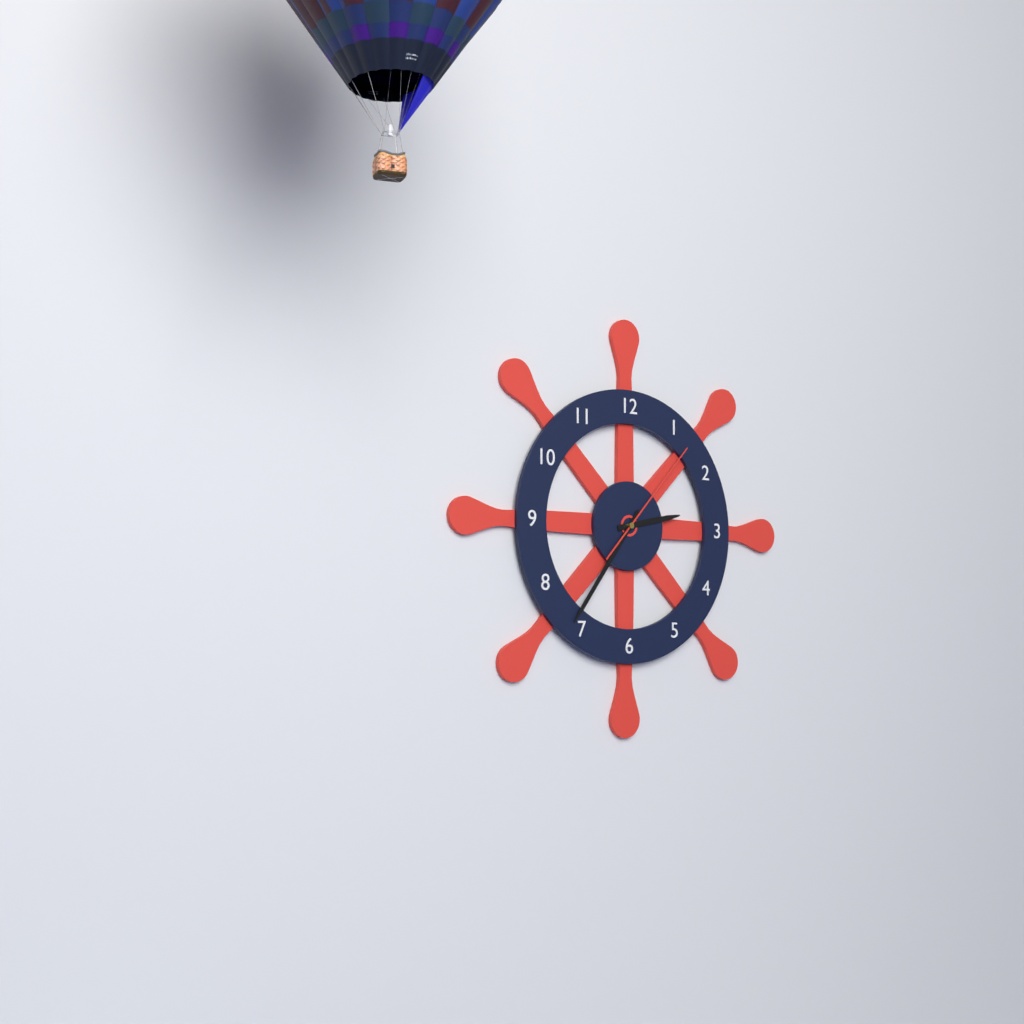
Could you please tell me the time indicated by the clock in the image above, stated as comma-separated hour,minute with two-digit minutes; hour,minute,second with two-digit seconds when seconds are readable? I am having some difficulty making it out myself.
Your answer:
2,36,07
